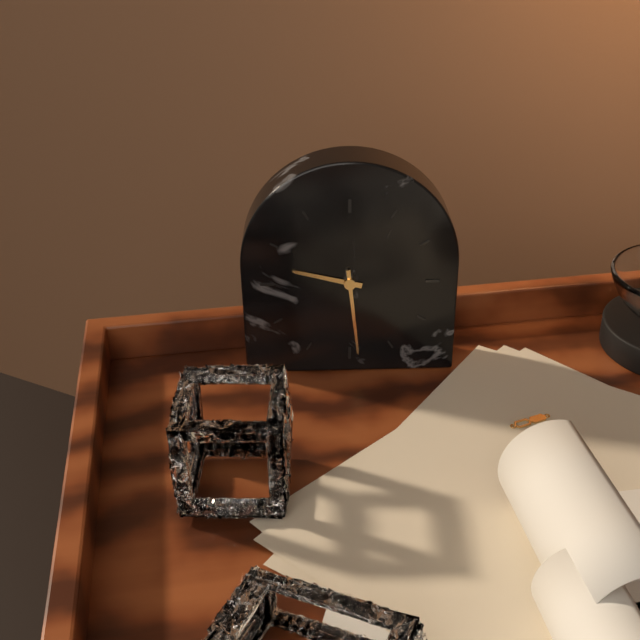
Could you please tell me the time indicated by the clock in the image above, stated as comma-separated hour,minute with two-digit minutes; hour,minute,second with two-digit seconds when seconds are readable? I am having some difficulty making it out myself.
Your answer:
9,29
